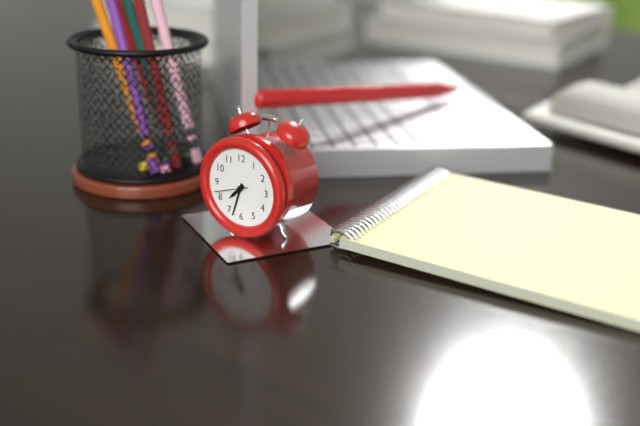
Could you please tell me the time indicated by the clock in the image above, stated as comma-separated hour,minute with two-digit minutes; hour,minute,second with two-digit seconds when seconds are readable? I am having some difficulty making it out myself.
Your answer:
7,33
